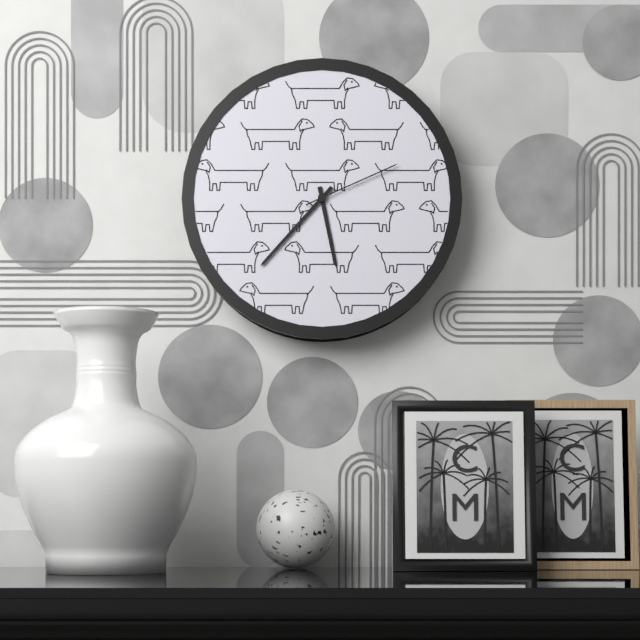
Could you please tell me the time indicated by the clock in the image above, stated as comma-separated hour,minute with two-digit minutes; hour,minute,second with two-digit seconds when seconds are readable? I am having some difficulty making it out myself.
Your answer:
5,37,11
